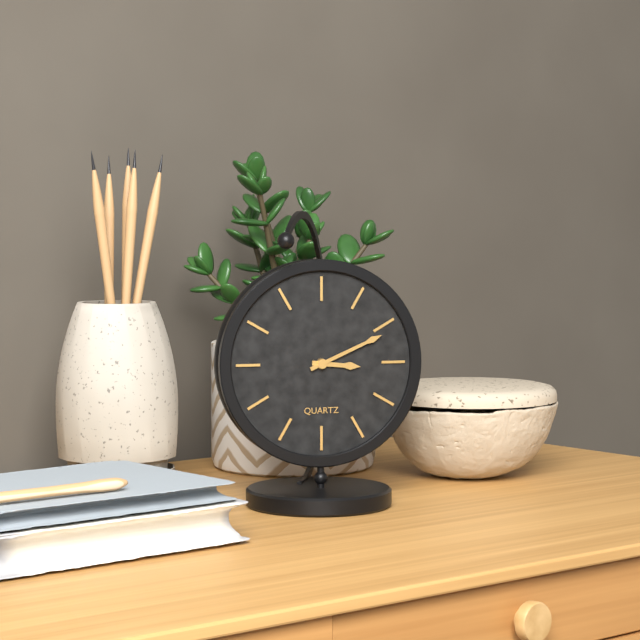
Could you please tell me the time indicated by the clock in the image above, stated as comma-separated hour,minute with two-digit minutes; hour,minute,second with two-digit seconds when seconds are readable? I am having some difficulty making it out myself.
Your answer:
3,11
